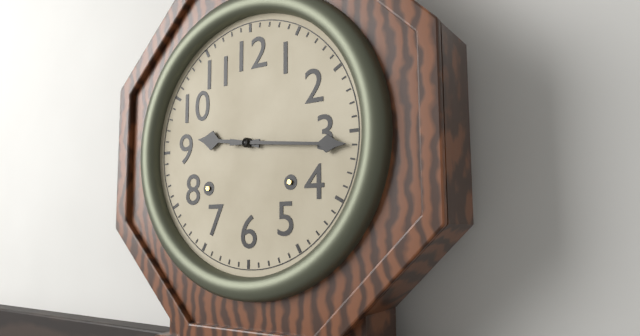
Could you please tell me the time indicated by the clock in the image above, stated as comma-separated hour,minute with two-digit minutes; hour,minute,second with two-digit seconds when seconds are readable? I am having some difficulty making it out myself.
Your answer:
9,16
